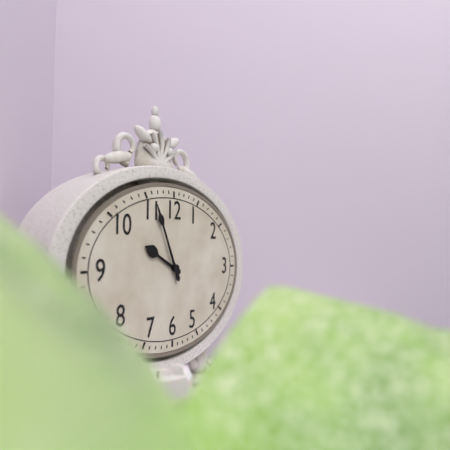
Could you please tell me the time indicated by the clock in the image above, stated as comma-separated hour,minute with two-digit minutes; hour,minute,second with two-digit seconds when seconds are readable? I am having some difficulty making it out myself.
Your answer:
9,56
